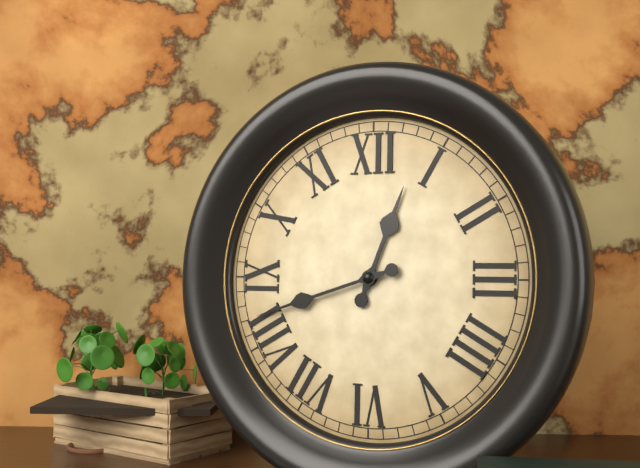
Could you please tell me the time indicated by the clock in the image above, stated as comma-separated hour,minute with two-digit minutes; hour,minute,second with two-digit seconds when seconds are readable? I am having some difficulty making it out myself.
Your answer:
12,42
